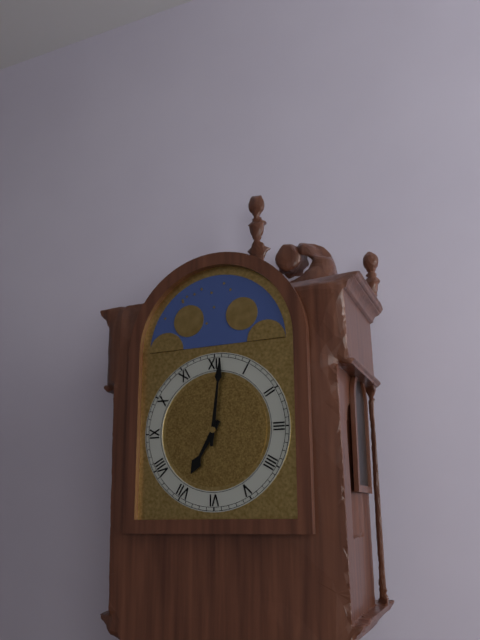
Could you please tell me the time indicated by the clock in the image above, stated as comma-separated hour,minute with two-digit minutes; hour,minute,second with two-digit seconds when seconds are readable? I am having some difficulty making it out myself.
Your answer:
7,01
